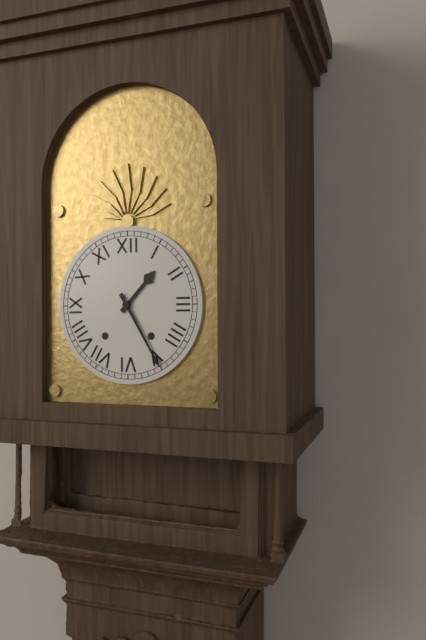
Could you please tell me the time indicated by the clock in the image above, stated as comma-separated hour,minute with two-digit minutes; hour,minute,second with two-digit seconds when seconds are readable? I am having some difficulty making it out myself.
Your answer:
1,25
